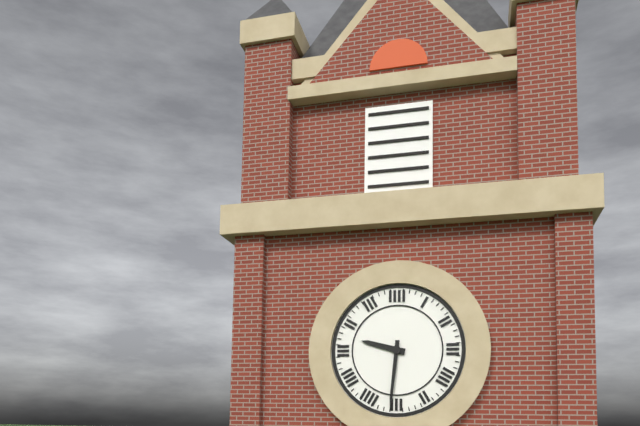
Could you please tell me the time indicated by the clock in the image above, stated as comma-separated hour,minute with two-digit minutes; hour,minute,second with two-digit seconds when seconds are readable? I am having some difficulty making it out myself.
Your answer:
9,31
